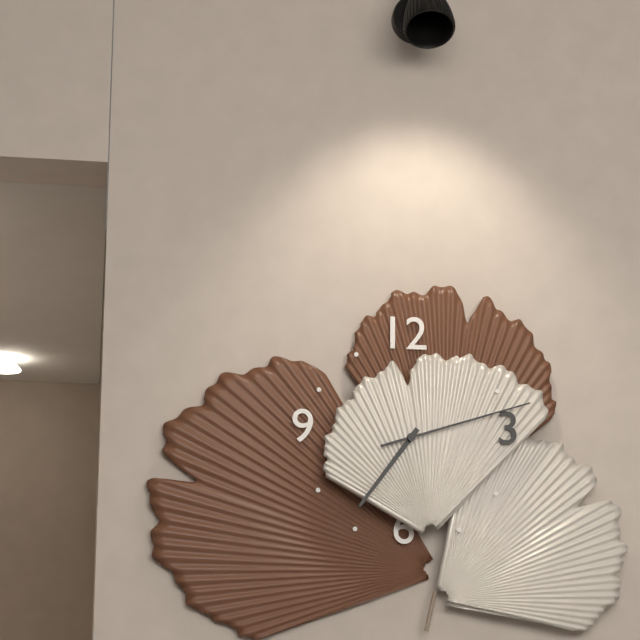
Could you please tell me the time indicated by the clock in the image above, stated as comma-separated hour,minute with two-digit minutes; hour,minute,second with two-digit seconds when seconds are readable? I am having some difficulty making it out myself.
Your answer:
7,12
